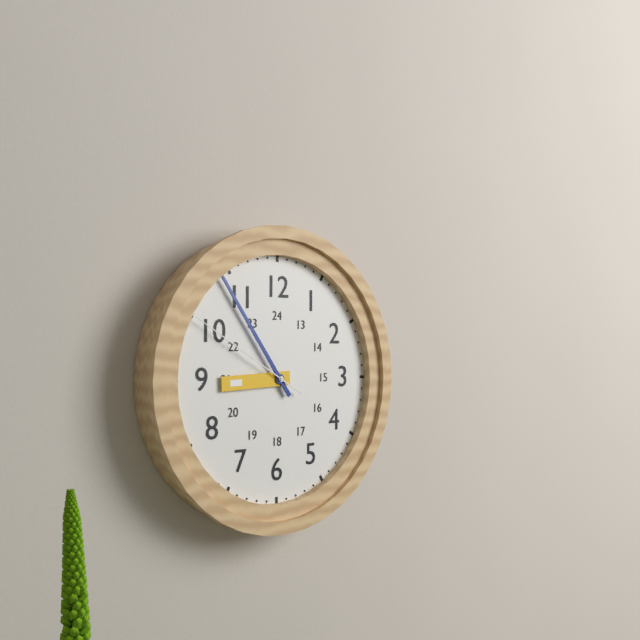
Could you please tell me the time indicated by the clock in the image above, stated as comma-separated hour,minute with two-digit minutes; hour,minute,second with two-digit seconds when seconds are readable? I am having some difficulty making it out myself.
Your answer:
8,54,50
